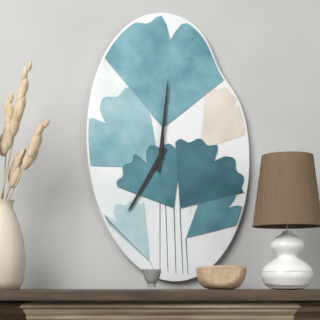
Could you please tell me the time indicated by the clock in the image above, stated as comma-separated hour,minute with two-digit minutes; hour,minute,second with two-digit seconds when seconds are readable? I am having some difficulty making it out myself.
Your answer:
7,01
